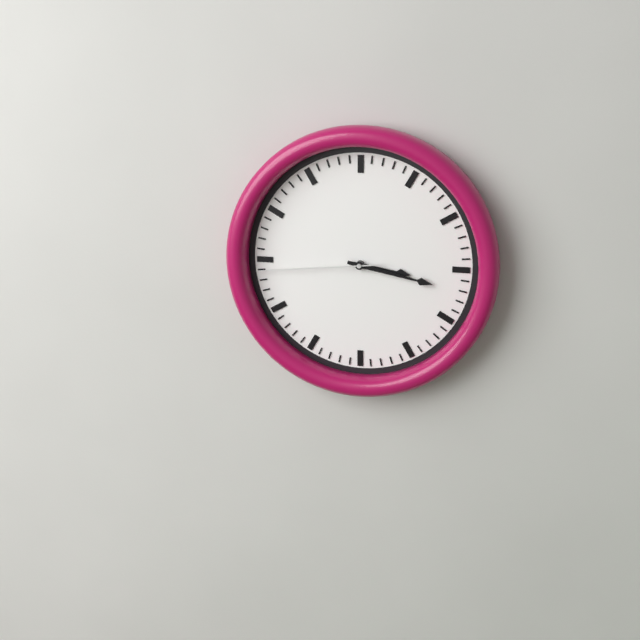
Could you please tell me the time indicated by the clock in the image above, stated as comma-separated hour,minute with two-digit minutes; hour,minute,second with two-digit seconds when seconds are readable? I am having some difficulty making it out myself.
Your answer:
3,17,44
